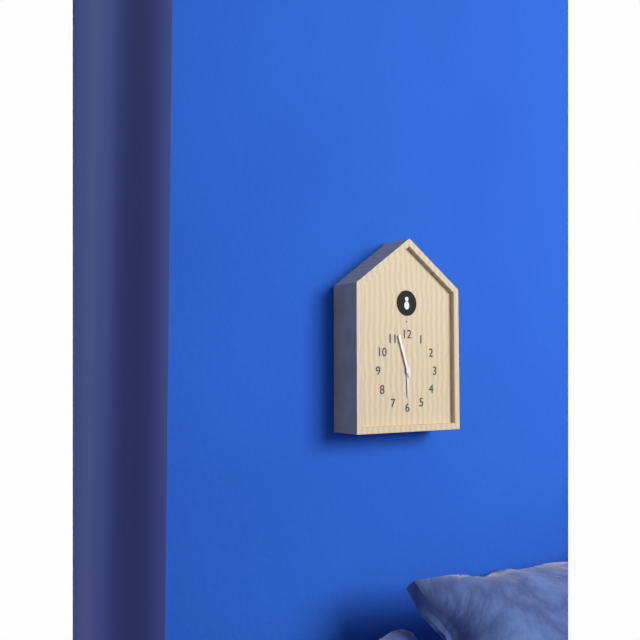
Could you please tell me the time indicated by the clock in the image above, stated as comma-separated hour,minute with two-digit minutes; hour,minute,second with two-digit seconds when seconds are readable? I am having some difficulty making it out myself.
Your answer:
5,57
